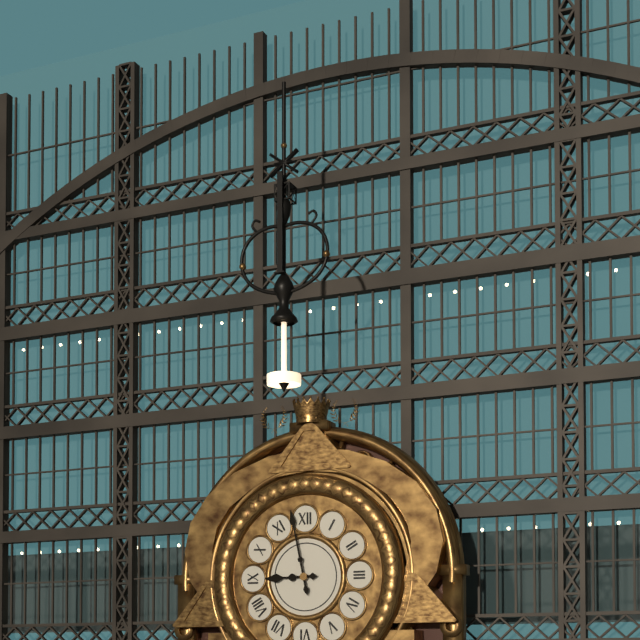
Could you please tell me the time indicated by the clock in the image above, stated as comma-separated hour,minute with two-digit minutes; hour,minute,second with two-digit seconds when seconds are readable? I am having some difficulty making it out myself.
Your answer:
8,58
